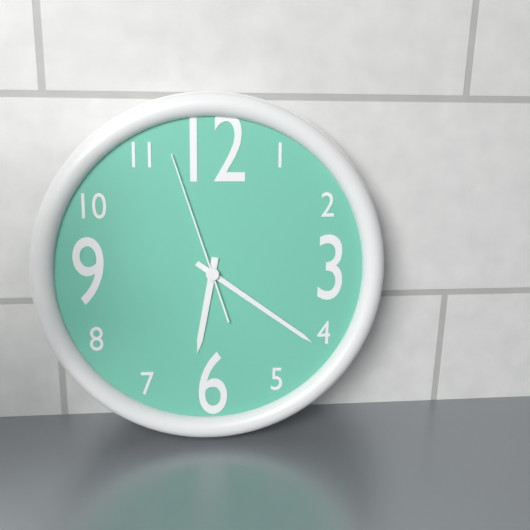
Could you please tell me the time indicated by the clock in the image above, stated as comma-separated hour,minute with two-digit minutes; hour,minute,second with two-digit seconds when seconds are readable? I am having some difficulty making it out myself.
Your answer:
6,21,57
